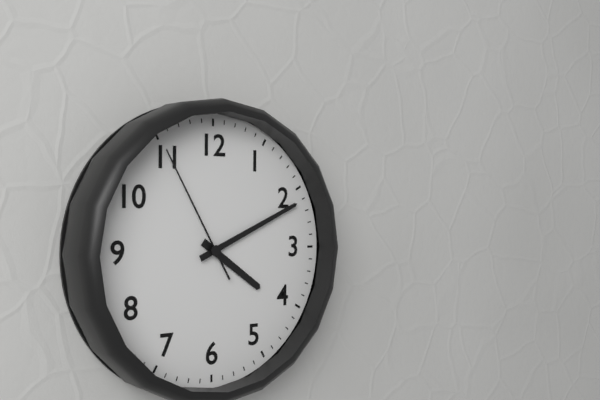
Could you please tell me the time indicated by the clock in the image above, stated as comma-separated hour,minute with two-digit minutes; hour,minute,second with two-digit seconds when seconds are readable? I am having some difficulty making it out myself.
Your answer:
4,11,55
